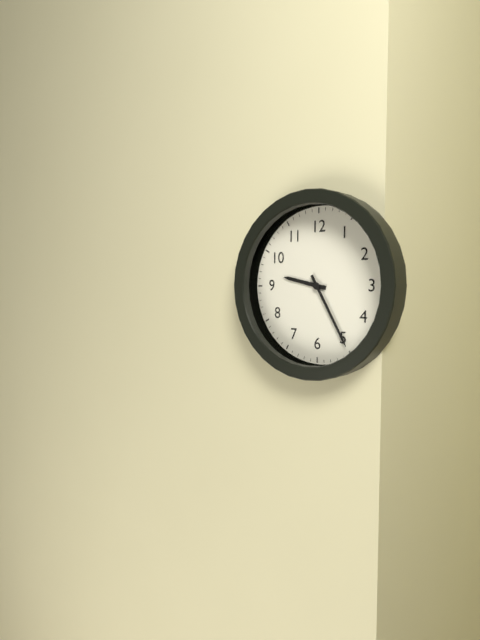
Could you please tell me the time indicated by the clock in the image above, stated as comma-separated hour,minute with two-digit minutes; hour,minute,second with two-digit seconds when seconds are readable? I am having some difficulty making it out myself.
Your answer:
9,25
